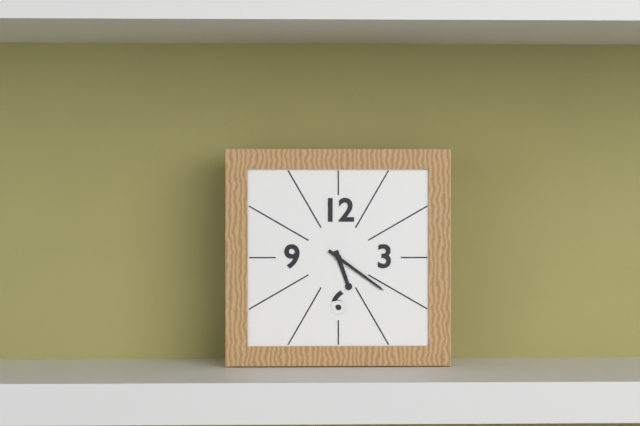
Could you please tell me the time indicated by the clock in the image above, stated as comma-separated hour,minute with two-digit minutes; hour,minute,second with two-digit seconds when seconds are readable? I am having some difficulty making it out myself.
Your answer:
5,21
